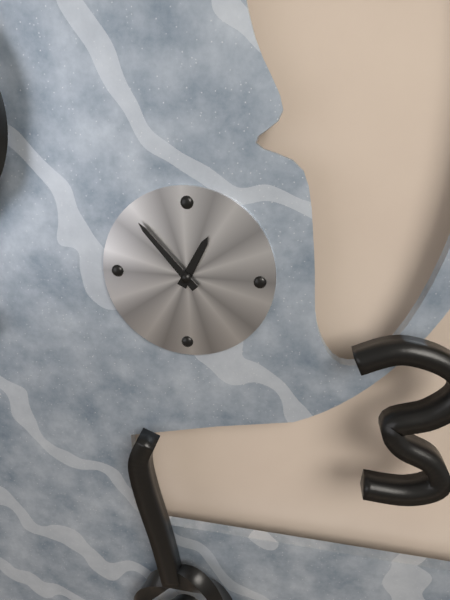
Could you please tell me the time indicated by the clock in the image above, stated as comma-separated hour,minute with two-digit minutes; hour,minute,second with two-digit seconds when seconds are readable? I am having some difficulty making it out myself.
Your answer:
12,53
